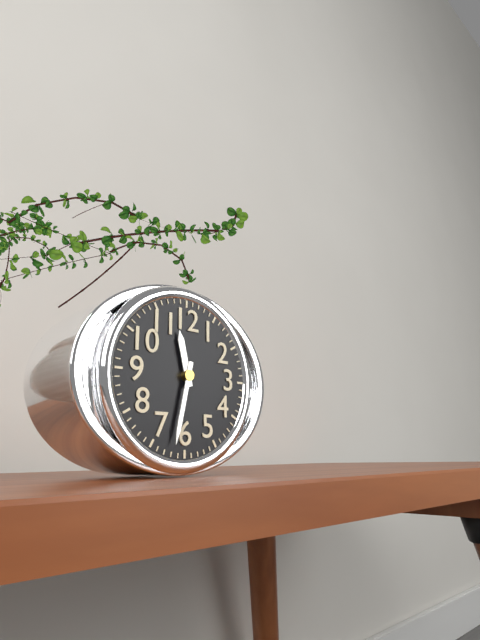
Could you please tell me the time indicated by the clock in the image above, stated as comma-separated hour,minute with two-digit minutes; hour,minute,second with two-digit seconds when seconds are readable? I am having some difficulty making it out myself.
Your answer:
11,32
